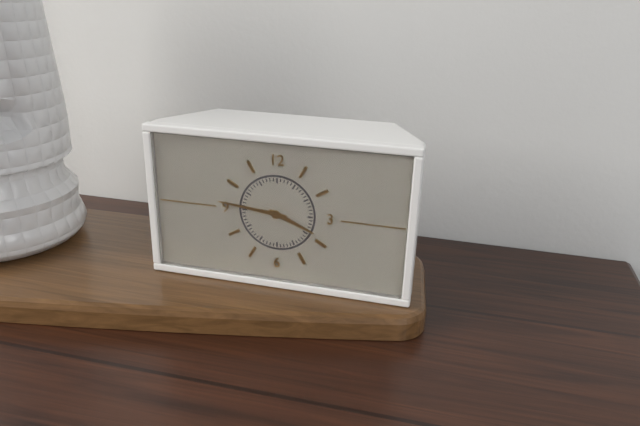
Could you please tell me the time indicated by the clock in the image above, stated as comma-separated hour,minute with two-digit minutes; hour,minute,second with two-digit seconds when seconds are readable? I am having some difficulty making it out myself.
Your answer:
3,46
